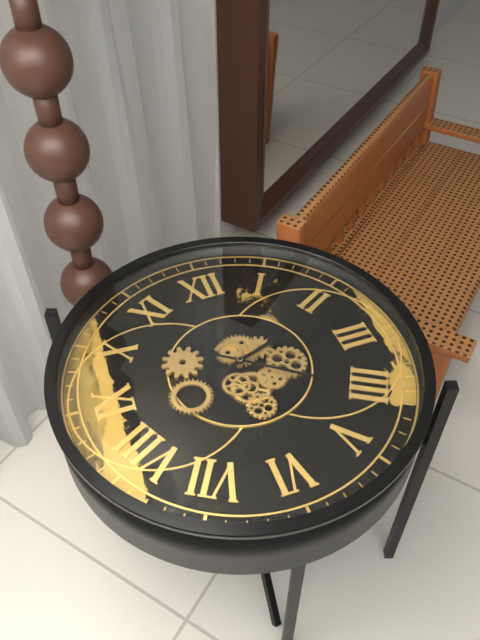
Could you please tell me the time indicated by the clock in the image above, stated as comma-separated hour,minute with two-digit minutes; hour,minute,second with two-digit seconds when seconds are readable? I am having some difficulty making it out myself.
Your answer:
2,21
